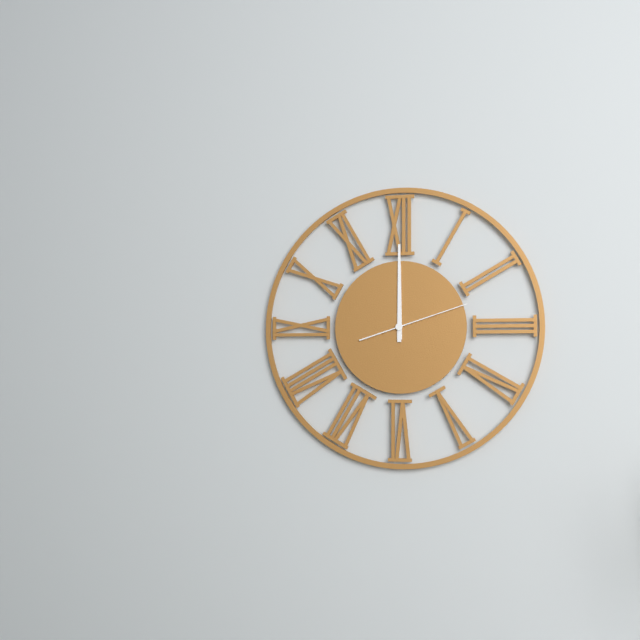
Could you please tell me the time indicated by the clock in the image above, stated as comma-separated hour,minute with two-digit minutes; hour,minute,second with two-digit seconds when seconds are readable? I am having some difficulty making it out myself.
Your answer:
12,00,12
